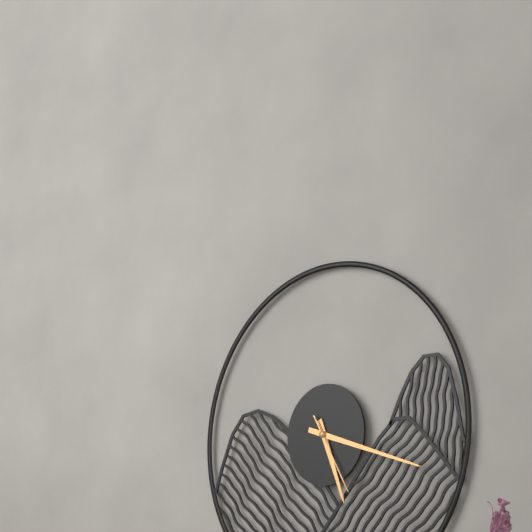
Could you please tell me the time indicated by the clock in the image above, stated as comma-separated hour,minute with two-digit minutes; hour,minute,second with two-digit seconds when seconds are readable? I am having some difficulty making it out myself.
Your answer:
5,18,25
